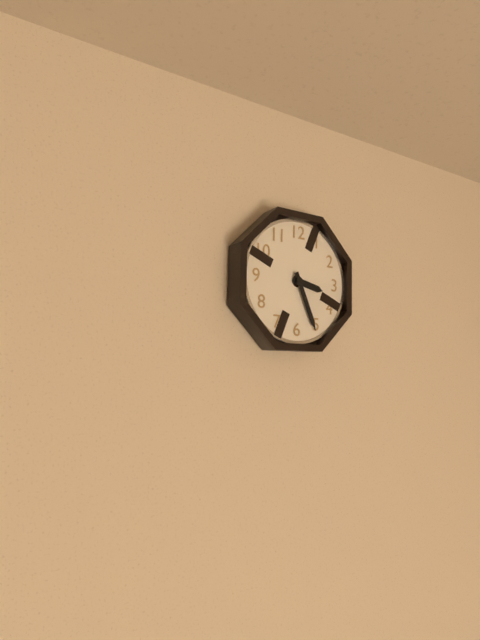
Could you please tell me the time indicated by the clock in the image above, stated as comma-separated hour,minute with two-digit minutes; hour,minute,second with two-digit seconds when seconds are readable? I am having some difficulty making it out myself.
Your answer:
3,26
